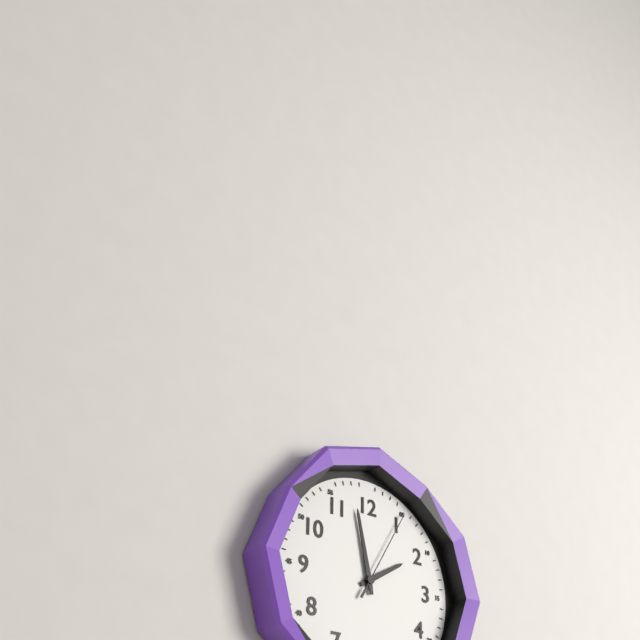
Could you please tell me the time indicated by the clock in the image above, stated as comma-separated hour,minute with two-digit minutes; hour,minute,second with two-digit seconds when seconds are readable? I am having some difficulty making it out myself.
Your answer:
1,58,05
